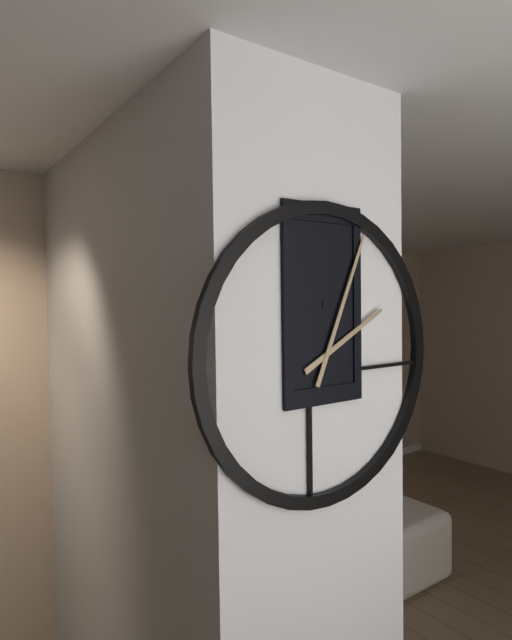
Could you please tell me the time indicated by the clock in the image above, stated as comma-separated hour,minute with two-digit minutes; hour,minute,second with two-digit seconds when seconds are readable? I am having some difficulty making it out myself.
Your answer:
2,04
